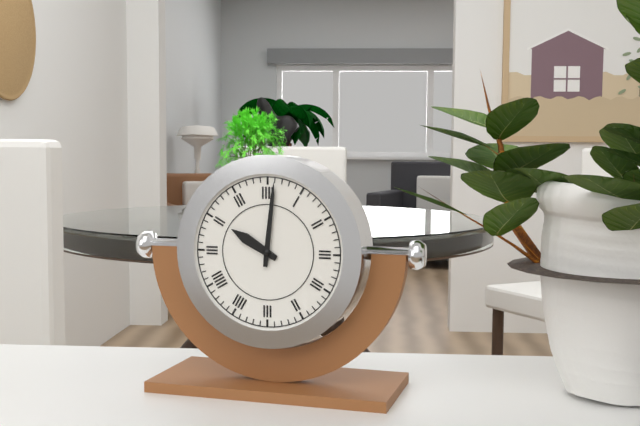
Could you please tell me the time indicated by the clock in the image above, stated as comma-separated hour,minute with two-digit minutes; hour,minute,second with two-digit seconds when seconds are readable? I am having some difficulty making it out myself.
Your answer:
10,01
